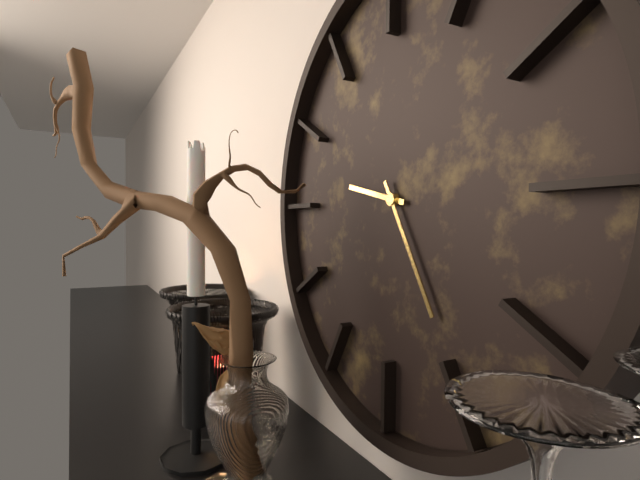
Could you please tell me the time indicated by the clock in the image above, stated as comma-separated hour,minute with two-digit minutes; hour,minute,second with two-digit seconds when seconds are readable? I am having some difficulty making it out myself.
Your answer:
9,25
